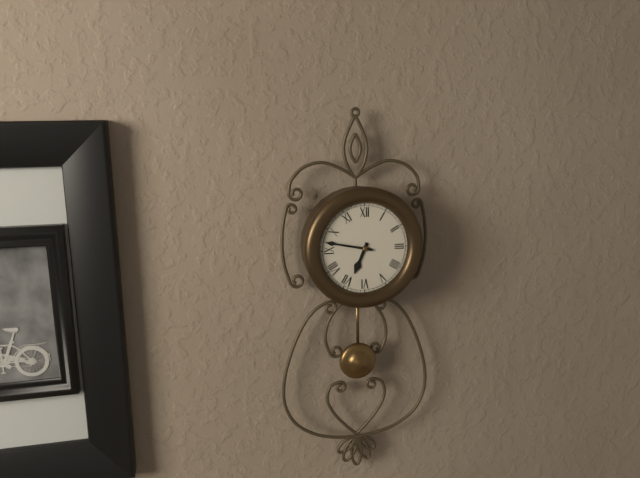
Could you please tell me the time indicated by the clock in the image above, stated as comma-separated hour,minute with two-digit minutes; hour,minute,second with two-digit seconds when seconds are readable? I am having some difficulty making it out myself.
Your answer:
6,47
